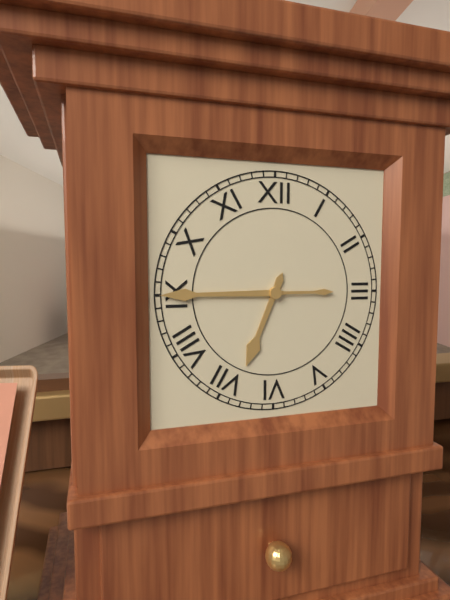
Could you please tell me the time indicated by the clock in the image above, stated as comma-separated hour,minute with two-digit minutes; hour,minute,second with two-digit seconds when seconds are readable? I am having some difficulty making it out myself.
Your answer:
6,45
